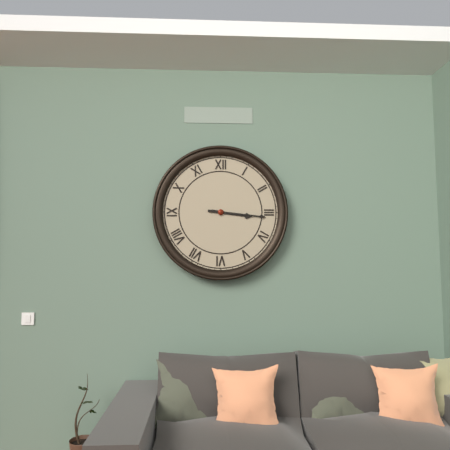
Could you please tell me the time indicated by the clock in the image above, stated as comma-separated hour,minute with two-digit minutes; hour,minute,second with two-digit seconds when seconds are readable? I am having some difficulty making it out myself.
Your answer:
3,16
